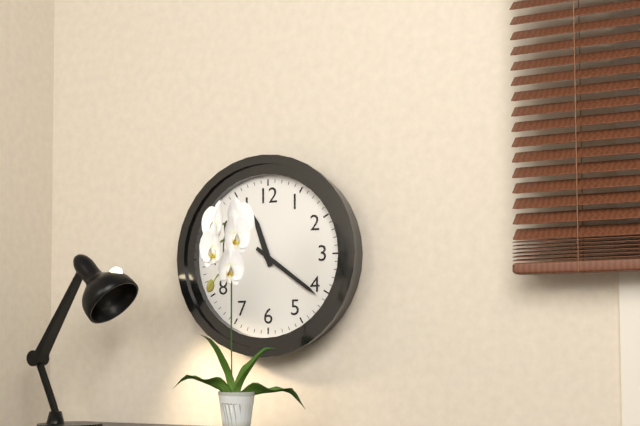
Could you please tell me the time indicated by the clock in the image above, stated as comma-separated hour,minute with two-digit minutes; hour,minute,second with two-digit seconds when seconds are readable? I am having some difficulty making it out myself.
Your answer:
11,21
